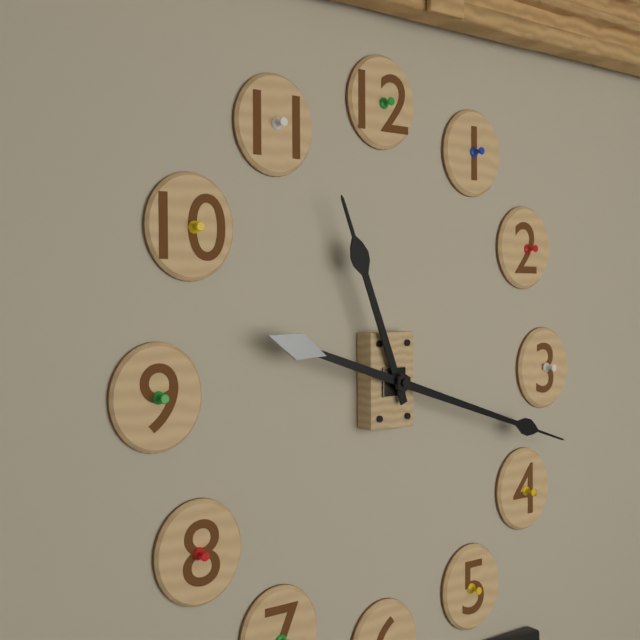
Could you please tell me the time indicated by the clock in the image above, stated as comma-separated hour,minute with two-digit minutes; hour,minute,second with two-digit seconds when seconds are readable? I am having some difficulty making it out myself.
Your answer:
11,18
